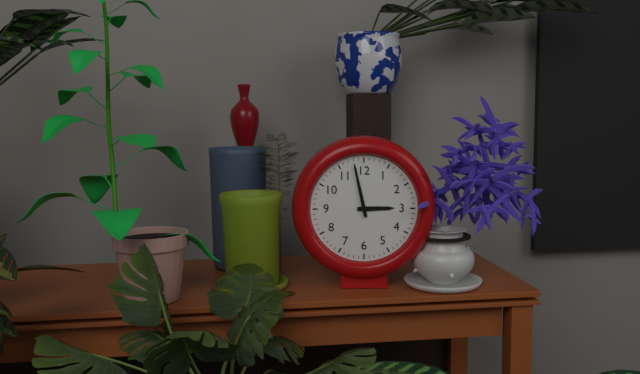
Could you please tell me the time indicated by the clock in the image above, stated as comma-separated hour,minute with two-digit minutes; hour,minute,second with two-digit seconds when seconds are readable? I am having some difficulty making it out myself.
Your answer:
2,58
